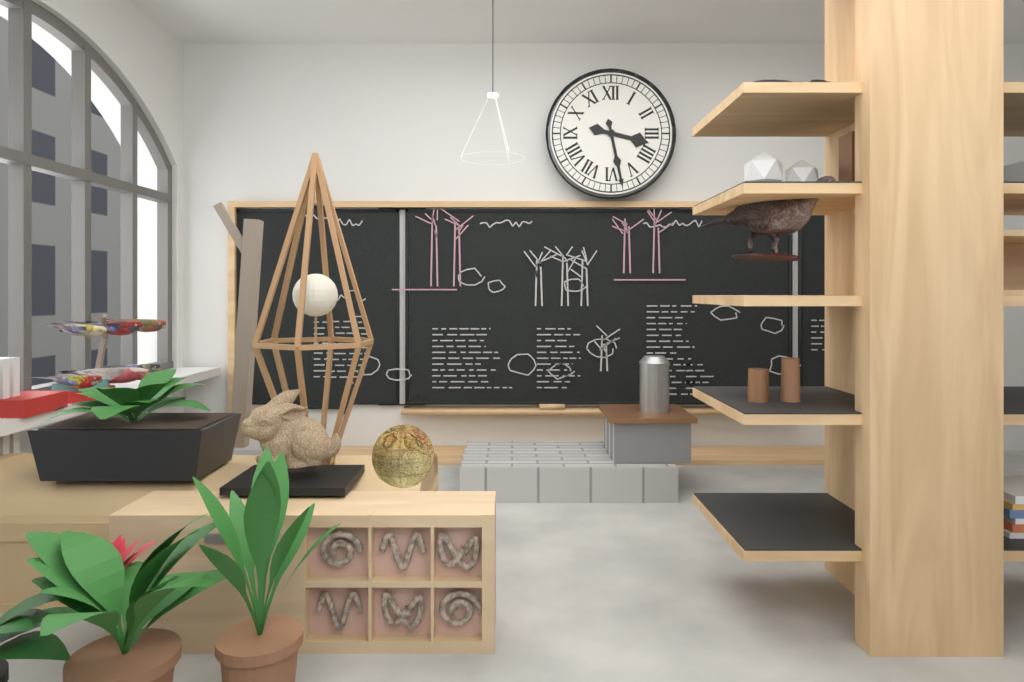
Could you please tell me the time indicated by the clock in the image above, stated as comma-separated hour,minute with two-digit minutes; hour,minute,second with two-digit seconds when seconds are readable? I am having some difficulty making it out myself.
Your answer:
3,28
